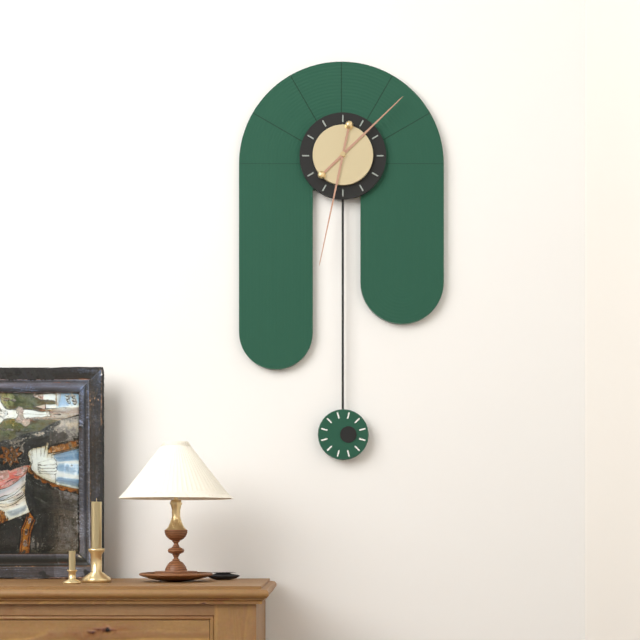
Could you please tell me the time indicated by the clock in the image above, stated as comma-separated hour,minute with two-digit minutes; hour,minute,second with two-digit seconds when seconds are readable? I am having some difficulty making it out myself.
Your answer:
1,32
